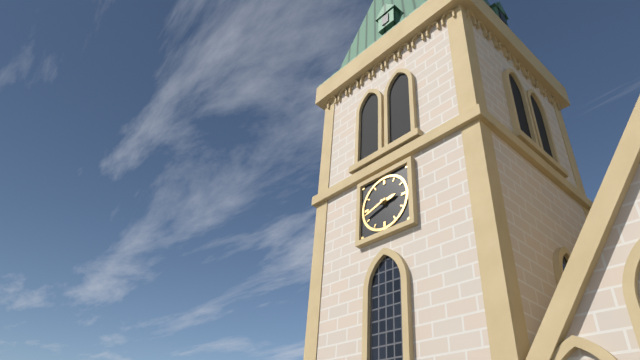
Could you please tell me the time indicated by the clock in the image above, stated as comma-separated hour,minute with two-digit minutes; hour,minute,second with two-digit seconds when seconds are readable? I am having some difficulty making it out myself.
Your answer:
2,42
